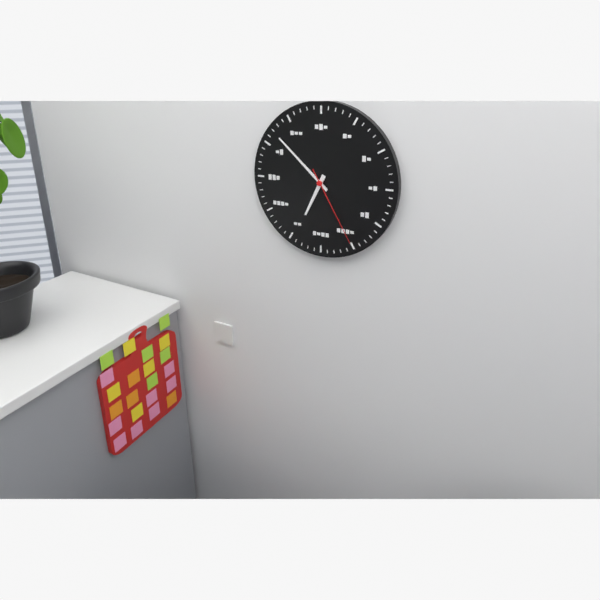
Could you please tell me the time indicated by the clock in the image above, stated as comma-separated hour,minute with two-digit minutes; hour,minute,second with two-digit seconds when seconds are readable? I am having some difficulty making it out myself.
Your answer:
6,52,25
